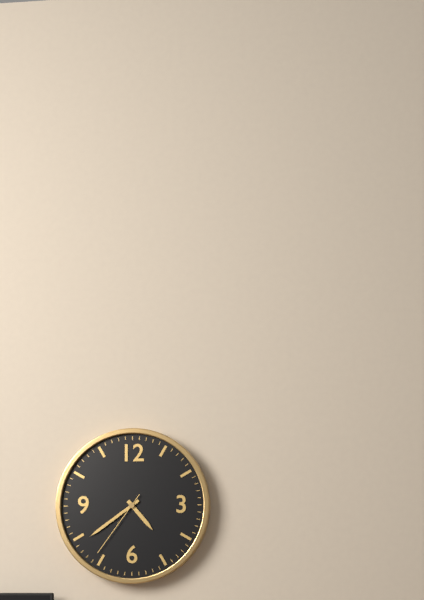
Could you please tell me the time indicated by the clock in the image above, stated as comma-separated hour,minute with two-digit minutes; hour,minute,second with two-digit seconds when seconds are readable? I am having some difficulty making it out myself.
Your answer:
4,39,36
